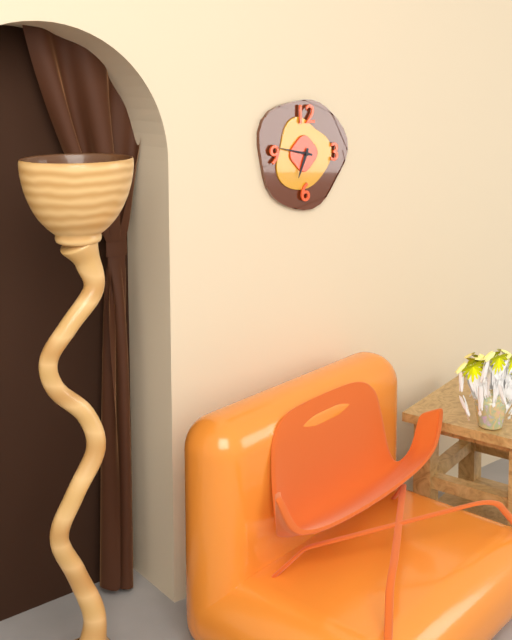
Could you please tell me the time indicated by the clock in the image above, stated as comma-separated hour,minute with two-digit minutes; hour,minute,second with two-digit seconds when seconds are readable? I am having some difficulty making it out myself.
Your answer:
6,47
